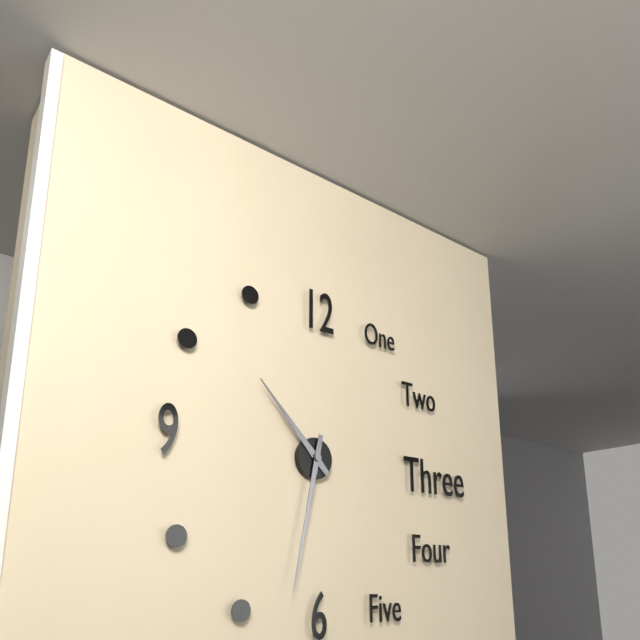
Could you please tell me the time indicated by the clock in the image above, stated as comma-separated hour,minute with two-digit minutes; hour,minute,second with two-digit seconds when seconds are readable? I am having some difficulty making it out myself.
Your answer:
10,32
